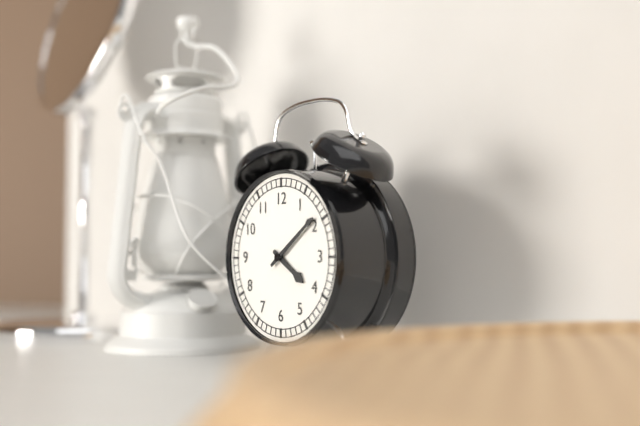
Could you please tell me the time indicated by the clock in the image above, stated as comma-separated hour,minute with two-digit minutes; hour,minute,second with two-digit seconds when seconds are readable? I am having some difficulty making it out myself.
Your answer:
4,09
